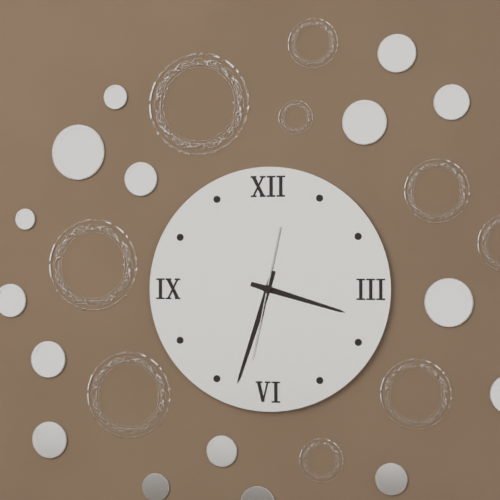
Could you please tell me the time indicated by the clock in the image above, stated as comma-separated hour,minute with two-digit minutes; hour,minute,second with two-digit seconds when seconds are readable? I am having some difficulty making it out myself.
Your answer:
3,33,32
